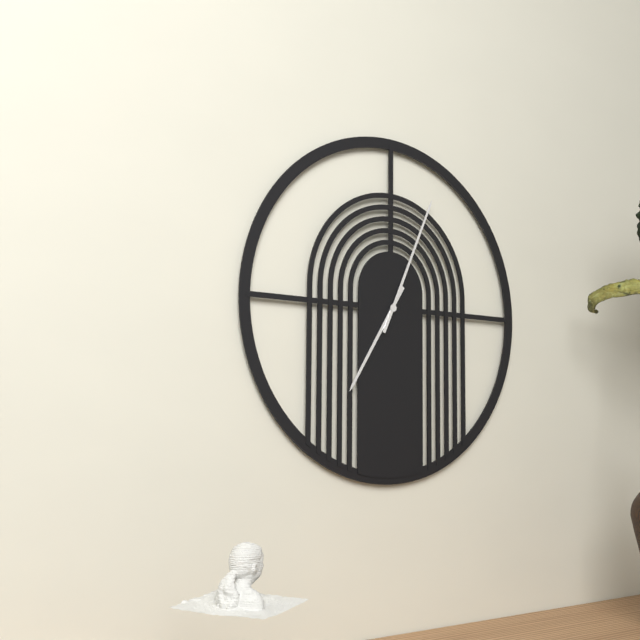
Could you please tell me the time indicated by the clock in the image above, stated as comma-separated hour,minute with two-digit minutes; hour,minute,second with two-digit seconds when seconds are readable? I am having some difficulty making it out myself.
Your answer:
7,04
